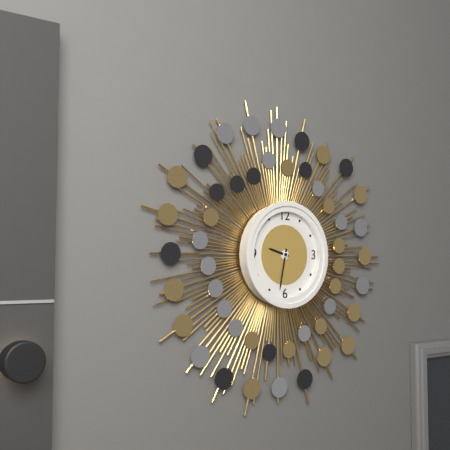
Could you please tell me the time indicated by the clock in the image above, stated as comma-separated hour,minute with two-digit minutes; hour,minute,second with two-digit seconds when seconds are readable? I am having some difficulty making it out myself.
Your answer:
9,32
